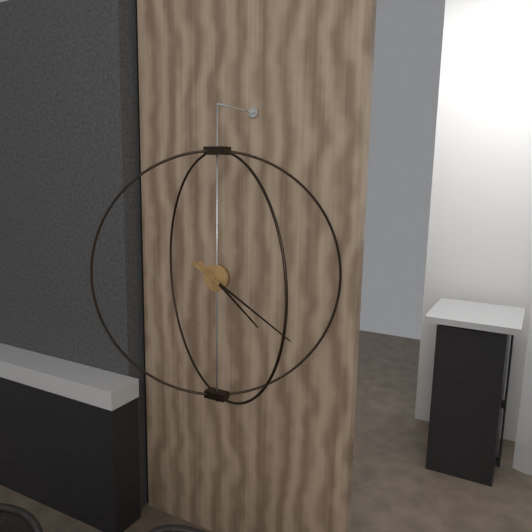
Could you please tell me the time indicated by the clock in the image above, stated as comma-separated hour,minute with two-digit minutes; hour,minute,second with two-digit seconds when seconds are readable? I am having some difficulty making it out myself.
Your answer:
4,20
